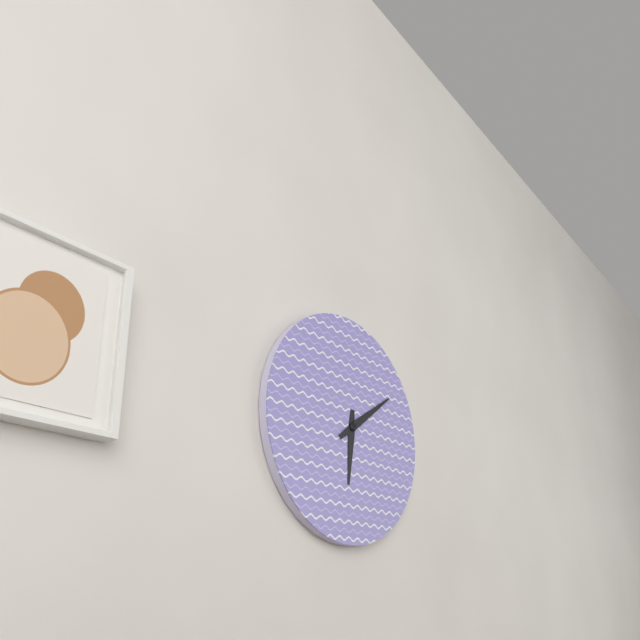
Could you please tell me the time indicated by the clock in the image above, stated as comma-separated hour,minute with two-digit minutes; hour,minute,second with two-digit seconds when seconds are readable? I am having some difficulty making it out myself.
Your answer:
6,09
